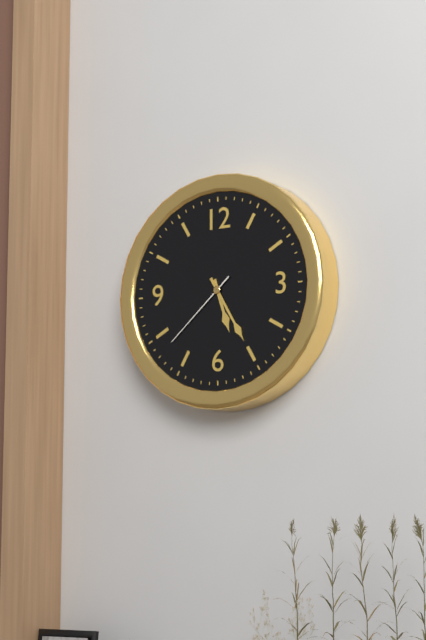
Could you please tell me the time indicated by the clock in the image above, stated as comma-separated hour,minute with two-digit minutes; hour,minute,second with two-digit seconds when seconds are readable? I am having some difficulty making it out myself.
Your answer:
5,25,38
